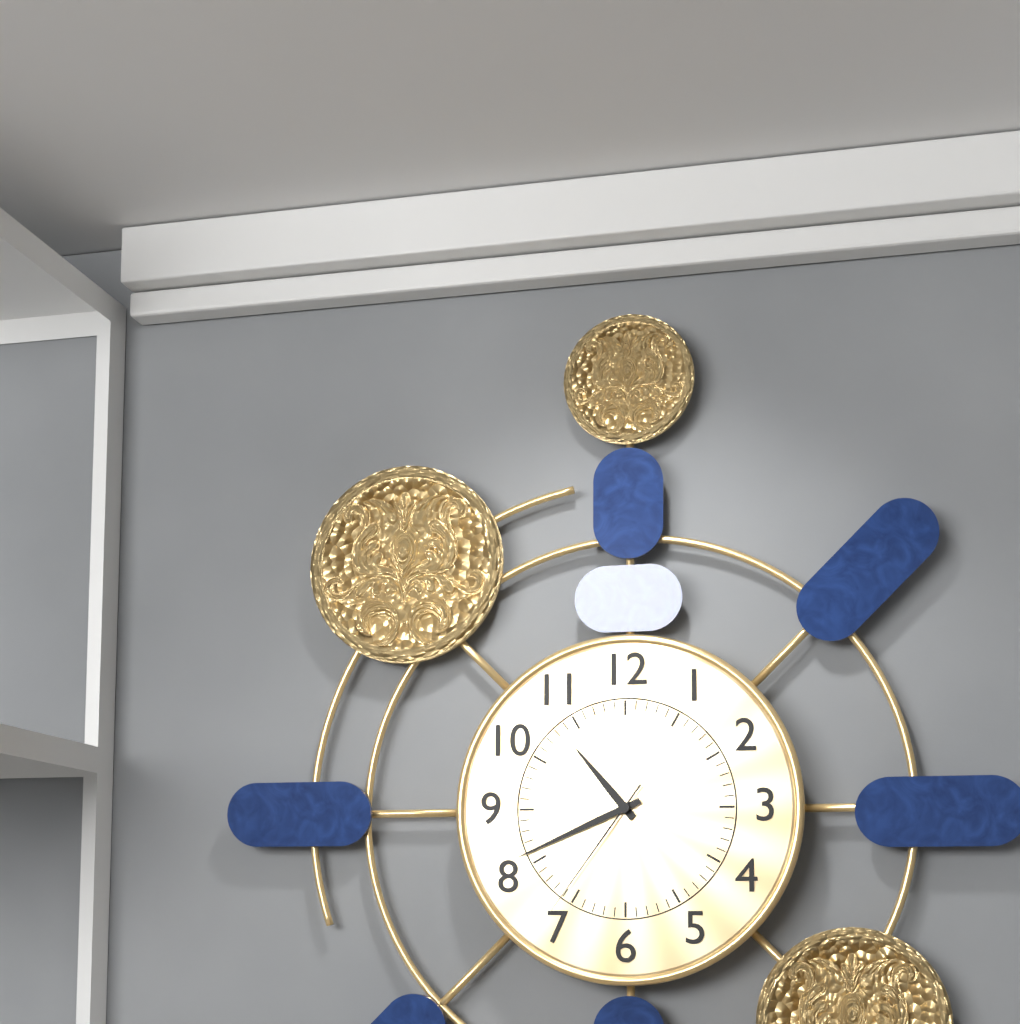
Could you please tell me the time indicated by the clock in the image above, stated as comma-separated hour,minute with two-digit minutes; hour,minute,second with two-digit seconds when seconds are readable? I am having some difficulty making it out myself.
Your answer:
10,41,36
